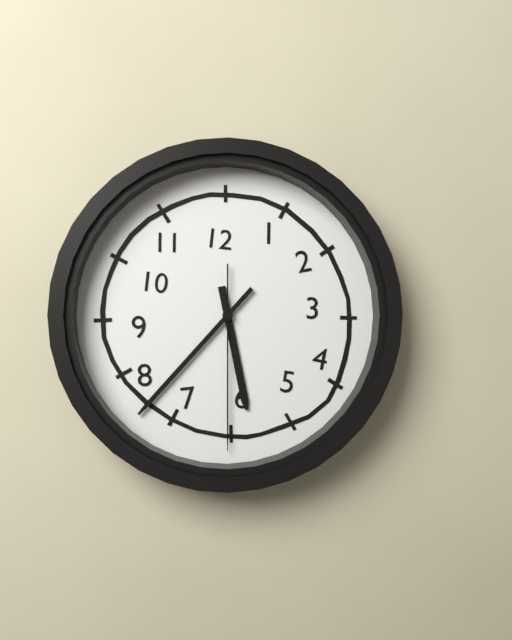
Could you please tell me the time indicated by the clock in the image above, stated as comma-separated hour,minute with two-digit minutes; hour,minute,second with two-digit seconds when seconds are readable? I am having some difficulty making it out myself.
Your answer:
5,37,30
